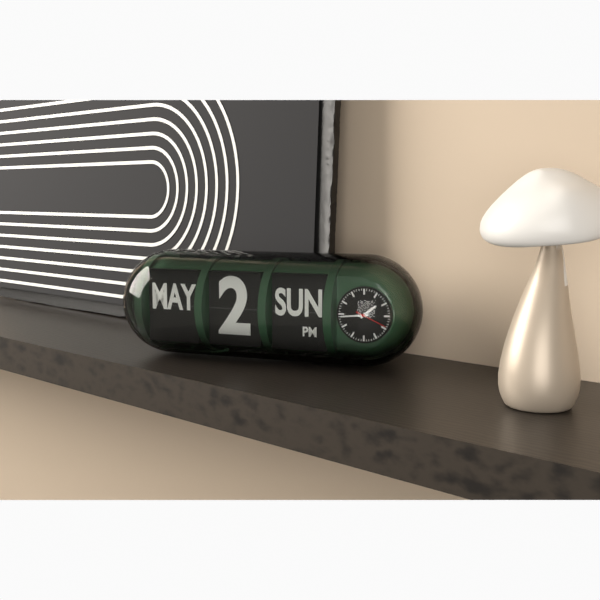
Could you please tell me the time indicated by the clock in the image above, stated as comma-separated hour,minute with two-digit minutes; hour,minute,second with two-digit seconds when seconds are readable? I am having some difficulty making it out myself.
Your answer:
1,44
